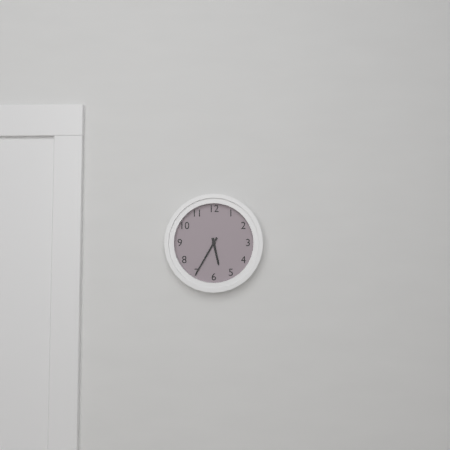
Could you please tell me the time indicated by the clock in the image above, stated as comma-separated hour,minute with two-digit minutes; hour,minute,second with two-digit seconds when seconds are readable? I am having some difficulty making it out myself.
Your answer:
5,35
